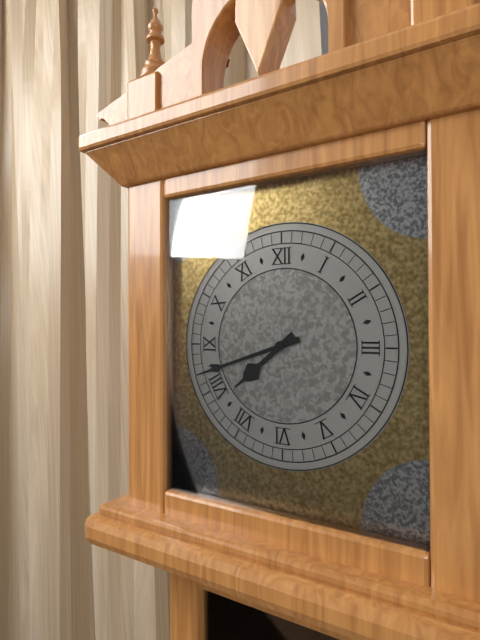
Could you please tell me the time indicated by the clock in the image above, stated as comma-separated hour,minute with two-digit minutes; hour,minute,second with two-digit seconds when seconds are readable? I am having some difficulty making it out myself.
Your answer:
7,42
